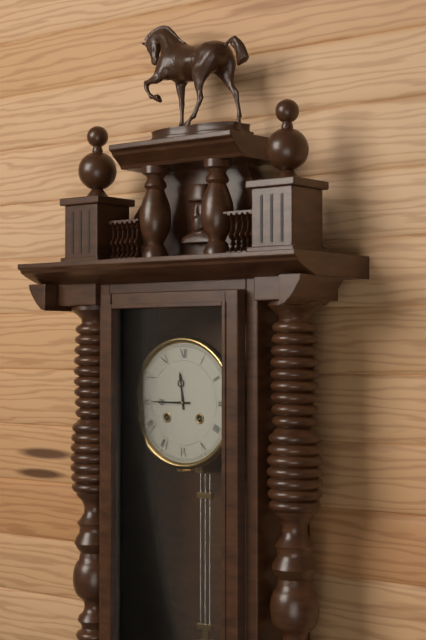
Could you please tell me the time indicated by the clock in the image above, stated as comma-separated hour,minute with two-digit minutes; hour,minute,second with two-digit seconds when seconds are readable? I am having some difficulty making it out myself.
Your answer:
11,45
